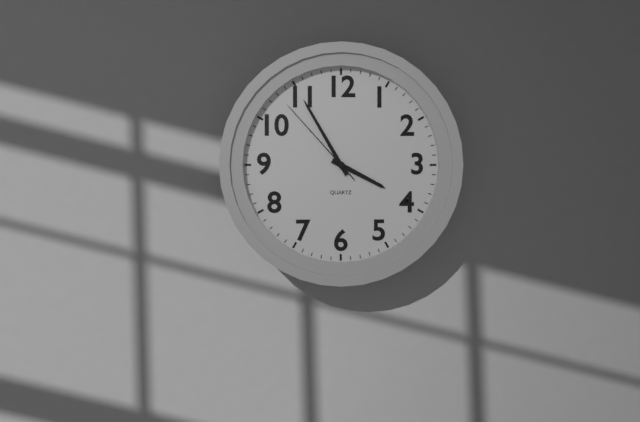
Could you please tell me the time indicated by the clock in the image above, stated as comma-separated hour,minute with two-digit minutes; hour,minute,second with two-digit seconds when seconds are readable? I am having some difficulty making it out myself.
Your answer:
3,55,53
